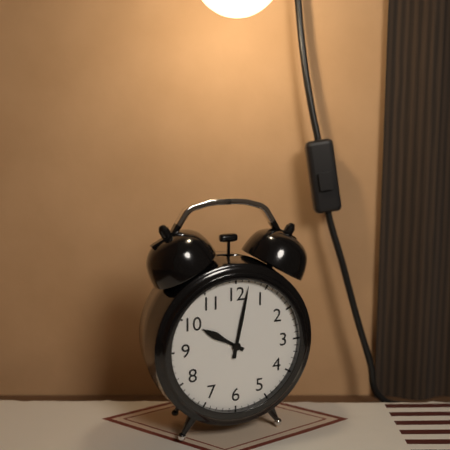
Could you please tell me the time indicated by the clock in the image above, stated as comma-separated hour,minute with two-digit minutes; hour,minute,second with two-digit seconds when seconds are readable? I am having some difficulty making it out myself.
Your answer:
10,02
